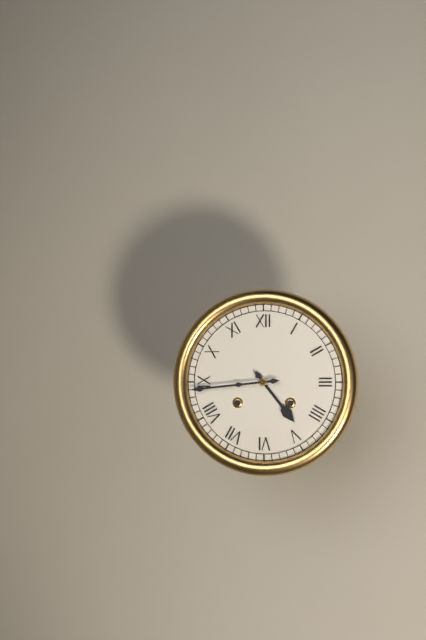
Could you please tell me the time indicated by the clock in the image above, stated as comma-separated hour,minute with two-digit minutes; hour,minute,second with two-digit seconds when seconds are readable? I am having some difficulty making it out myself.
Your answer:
4,44
